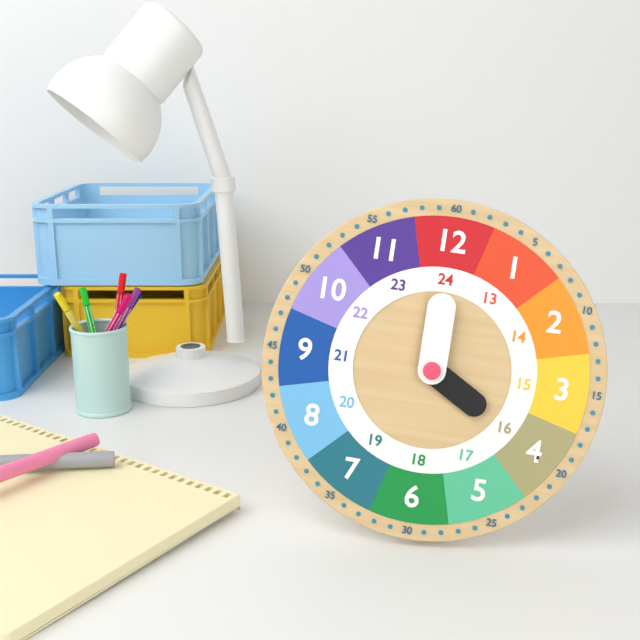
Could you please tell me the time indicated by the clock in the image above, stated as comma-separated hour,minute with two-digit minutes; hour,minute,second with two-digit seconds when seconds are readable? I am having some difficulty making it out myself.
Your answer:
4,00
